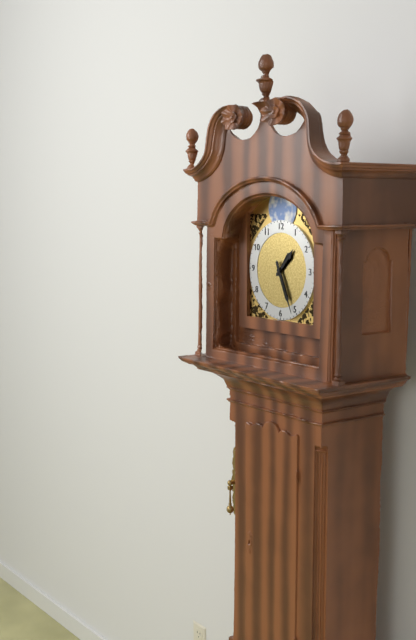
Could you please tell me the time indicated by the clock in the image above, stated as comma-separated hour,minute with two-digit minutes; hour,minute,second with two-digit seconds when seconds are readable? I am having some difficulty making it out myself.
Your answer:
1,26
